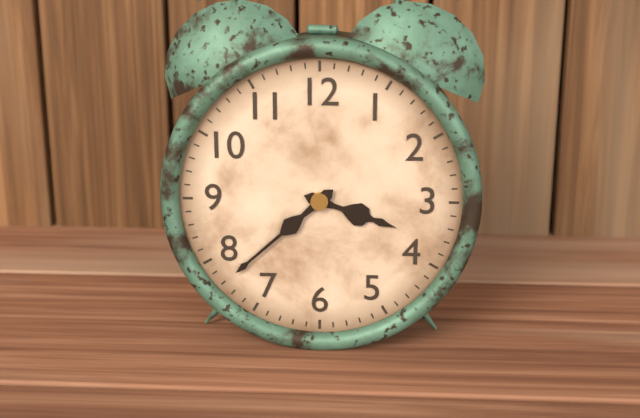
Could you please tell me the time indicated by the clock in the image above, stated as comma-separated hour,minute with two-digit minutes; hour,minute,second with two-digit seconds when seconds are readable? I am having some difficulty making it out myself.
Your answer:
3,38
